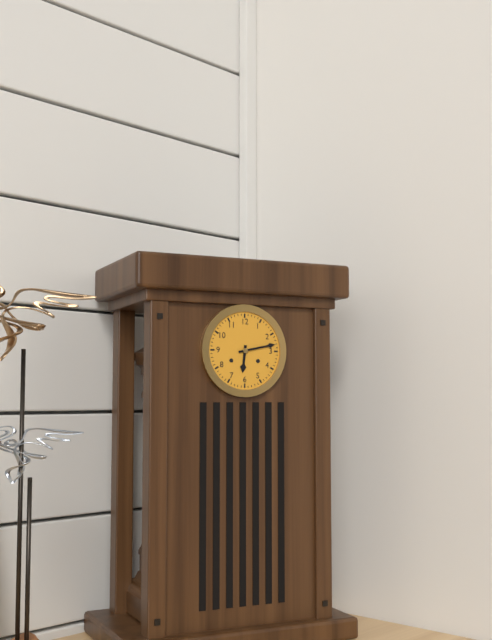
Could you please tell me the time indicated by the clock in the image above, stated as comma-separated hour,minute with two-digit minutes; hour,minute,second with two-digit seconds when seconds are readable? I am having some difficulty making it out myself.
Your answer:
6,13
